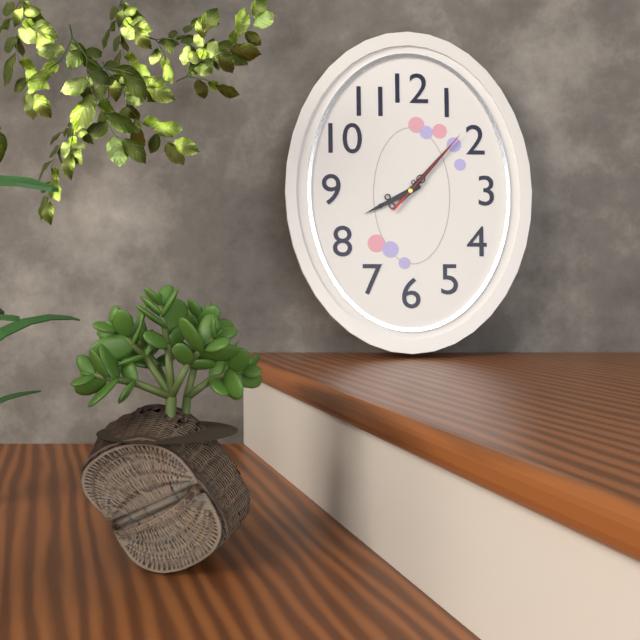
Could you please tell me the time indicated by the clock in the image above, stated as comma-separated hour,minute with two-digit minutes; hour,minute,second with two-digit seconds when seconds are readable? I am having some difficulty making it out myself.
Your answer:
8,07,07
